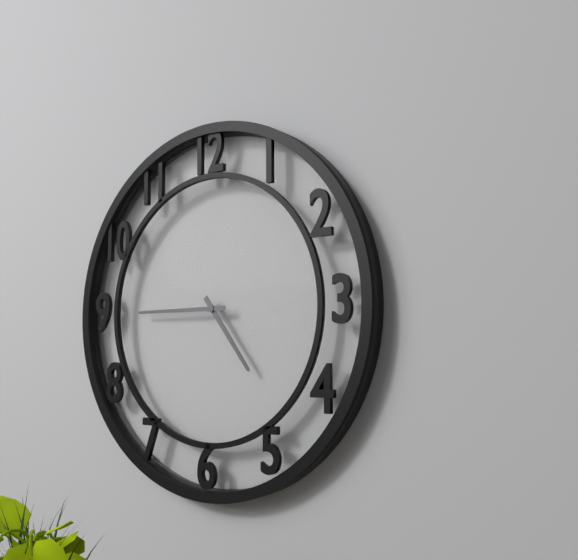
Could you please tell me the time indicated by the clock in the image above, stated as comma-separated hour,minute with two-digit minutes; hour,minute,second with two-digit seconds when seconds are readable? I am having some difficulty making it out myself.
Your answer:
4,45
